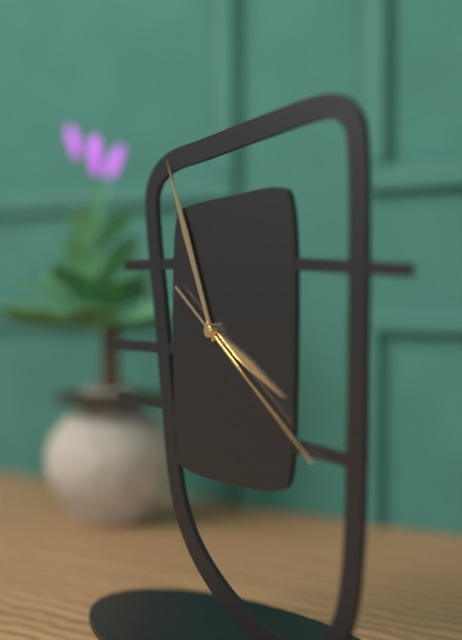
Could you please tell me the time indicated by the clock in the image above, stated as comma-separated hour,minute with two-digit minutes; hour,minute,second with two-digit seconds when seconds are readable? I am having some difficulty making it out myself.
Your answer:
3,56,21
